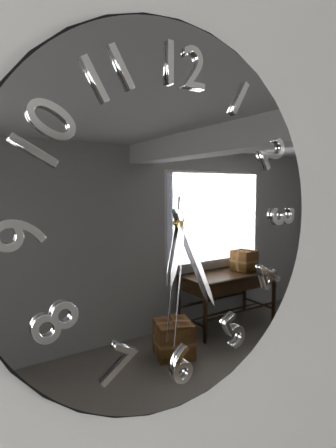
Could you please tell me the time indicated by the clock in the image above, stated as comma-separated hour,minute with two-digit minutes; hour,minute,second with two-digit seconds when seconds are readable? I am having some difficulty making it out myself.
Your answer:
6,26,31
